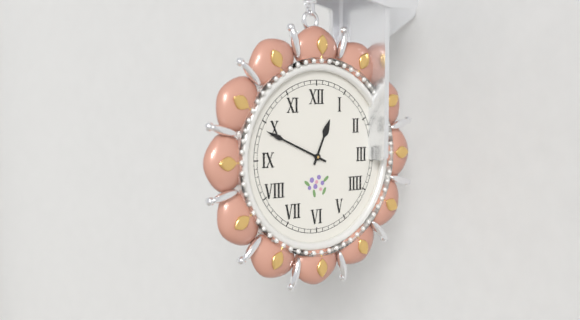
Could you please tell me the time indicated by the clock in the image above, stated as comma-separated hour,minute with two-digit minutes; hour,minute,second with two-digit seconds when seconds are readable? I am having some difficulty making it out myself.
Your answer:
12,49
